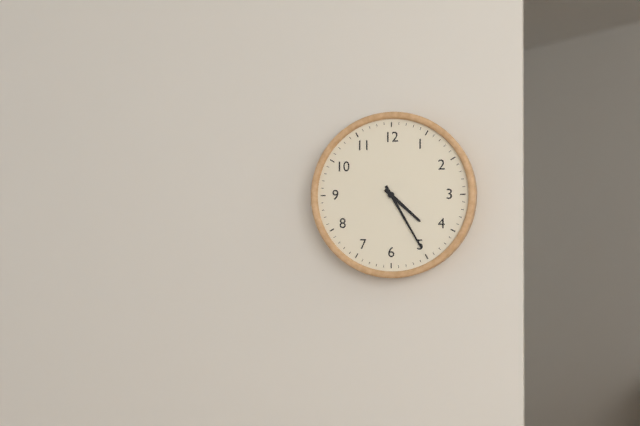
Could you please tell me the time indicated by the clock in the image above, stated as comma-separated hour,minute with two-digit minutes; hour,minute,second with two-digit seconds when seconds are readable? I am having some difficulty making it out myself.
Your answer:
4,25
